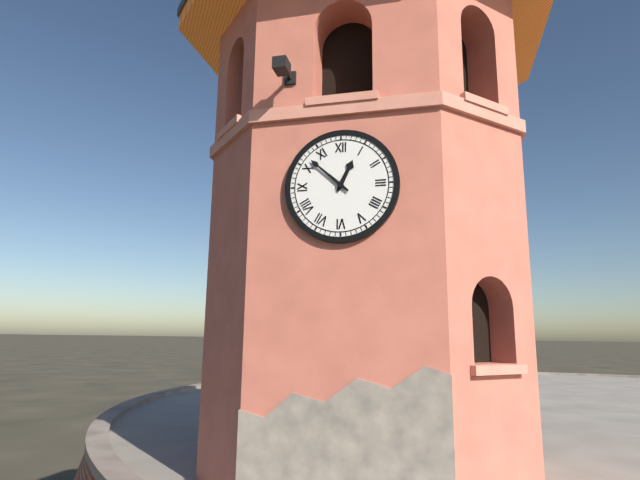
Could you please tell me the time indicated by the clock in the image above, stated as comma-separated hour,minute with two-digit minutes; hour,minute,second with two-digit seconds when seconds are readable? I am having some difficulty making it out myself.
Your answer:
12,52
